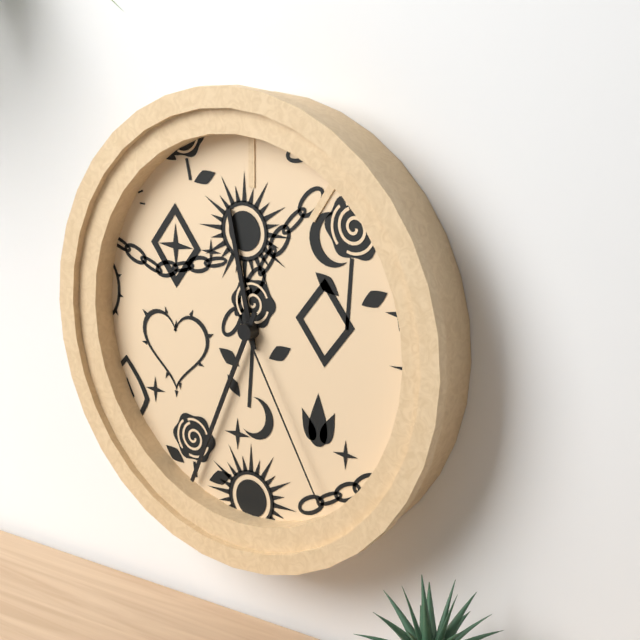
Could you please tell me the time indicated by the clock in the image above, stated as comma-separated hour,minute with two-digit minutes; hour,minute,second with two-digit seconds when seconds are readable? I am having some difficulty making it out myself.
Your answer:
11,34,25
